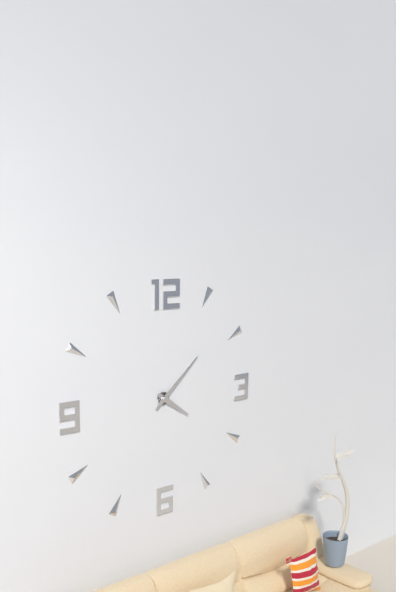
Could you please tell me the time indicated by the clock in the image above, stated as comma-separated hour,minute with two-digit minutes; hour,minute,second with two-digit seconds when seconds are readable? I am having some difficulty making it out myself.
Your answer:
4,08
